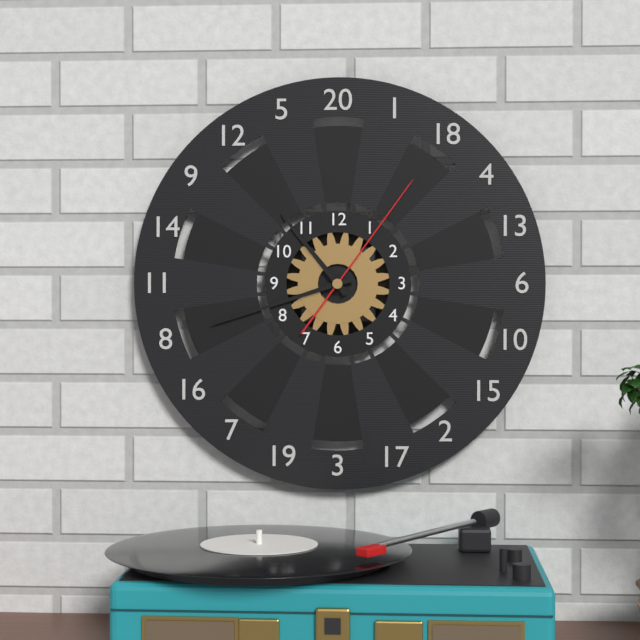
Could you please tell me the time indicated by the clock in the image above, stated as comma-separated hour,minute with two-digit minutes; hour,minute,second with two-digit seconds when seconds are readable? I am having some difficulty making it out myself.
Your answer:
10,42,06
